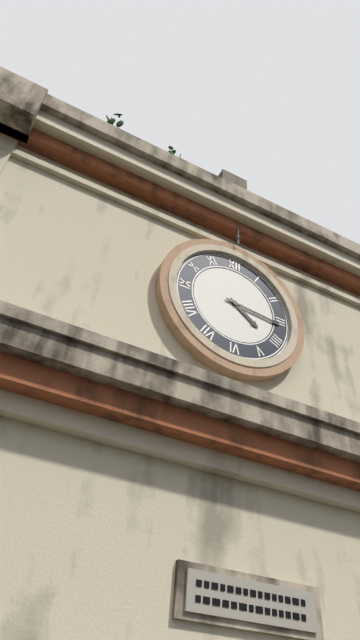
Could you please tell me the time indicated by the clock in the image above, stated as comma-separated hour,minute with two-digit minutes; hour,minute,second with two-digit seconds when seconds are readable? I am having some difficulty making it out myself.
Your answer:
4,16
